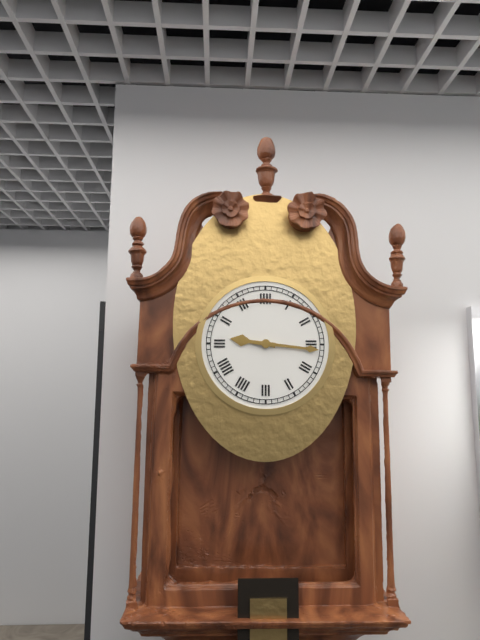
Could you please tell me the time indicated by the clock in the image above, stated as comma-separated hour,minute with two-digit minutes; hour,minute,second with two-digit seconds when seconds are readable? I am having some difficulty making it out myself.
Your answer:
9,16
